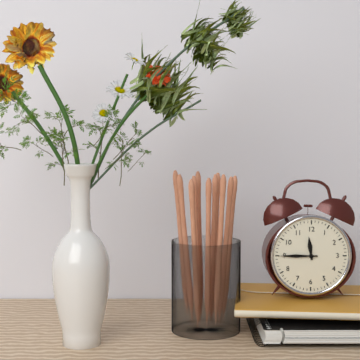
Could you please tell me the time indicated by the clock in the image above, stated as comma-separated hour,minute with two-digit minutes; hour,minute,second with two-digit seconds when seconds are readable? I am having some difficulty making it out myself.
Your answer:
11,45
